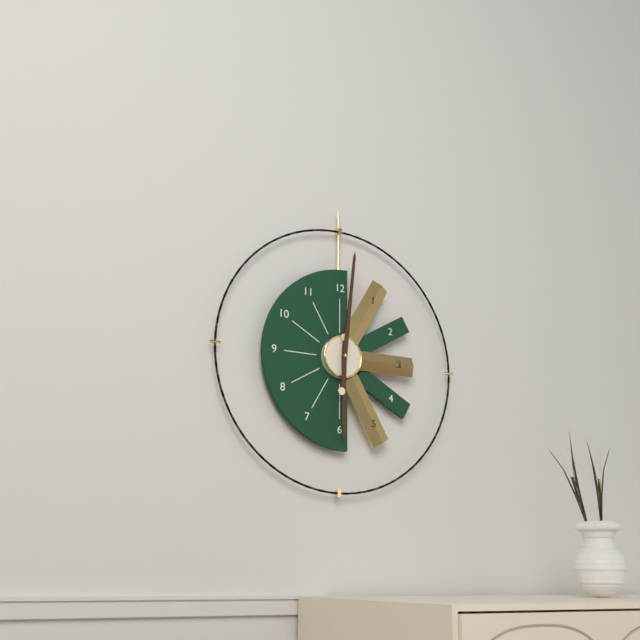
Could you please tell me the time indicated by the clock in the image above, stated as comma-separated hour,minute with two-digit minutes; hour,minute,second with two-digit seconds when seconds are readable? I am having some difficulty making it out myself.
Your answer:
6,01
